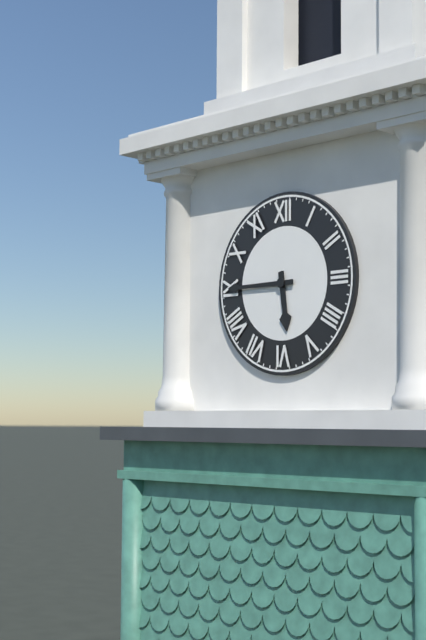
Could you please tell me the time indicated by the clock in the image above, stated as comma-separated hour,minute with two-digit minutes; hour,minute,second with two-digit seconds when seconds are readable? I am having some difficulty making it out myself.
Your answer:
5,45
